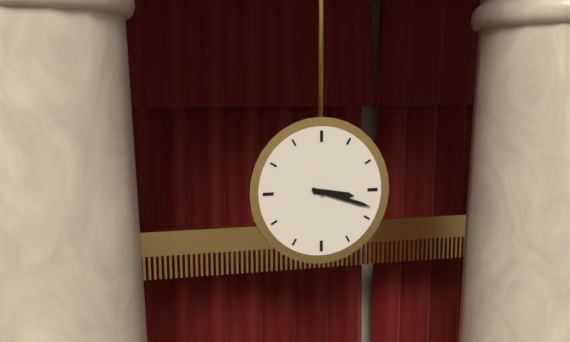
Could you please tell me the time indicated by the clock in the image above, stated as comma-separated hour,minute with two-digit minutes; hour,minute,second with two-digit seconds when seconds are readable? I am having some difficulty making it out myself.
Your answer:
3,18
